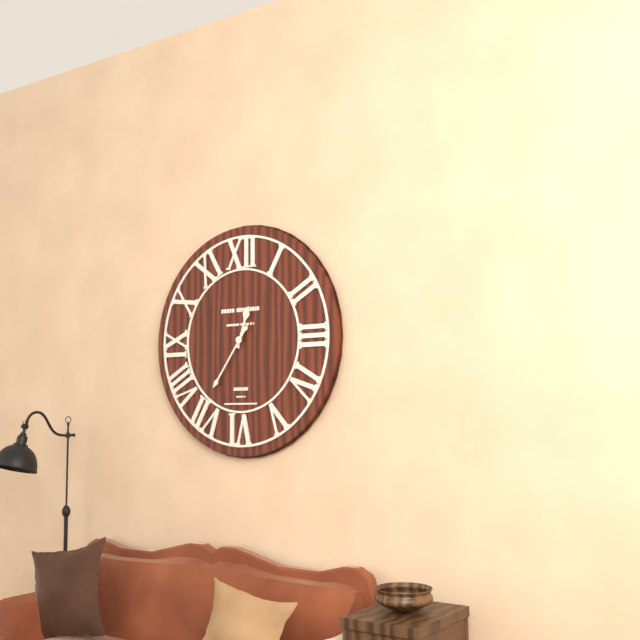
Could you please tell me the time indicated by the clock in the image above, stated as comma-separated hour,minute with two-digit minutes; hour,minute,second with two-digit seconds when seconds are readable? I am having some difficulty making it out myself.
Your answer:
12,36
